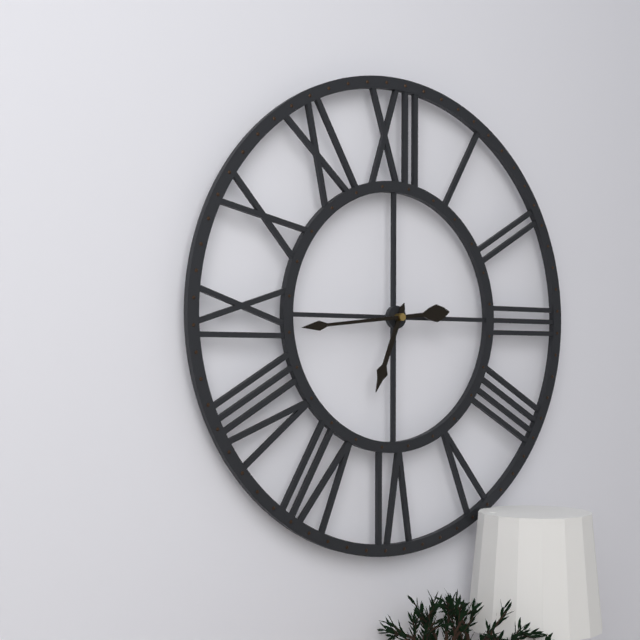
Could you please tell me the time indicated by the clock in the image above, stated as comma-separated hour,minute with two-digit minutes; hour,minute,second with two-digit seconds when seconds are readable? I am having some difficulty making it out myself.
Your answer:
6,44
